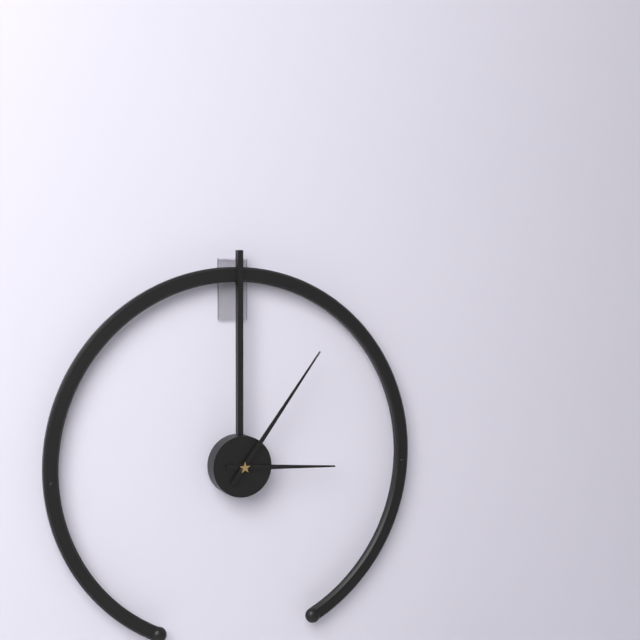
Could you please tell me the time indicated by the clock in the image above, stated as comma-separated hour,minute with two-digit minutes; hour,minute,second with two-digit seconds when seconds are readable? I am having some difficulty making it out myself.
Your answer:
3,06
